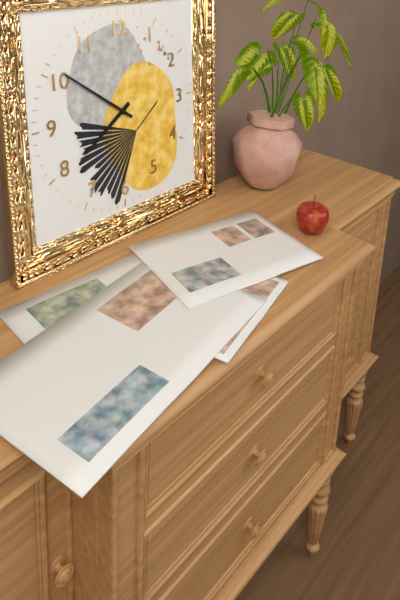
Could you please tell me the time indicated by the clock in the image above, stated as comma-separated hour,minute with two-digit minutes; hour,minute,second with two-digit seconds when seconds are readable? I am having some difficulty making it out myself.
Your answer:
7,51
